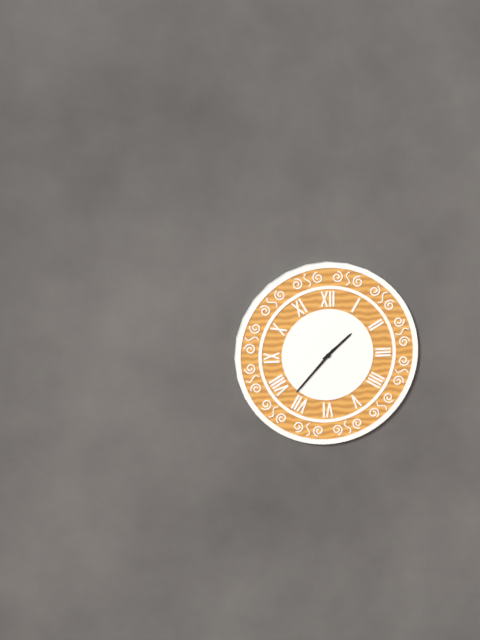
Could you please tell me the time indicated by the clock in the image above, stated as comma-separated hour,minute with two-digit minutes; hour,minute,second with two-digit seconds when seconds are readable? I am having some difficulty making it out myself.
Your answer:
1,37
